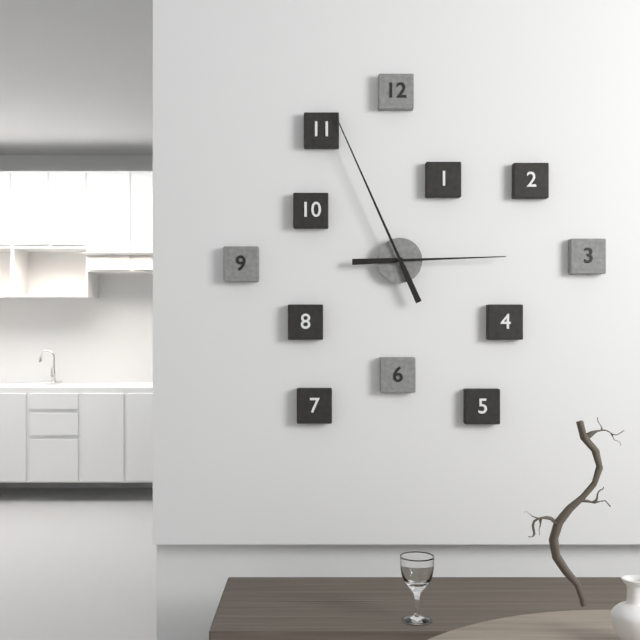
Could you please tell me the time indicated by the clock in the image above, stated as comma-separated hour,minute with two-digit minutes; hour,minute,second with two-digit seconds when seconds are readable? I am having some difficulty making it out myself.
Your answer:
2,56
